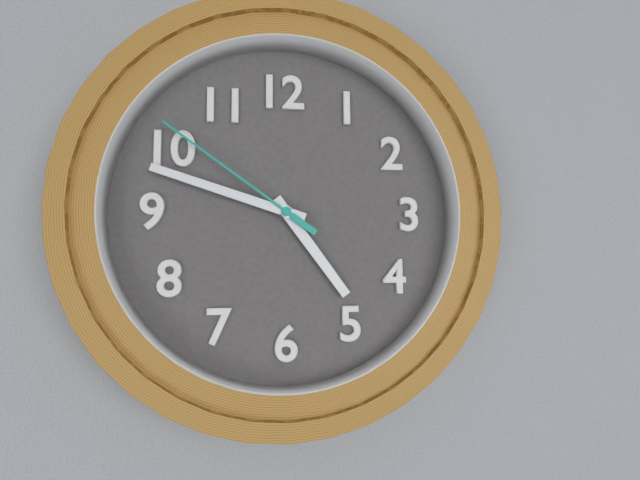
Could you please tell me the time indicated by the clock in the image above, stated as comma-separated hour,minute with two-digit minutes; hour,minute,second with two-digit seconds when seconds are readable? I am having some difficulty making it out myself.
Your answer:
4,48,51
